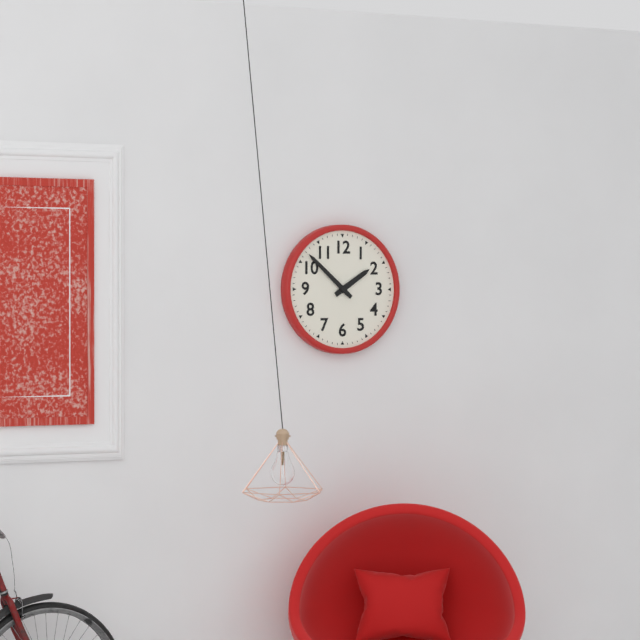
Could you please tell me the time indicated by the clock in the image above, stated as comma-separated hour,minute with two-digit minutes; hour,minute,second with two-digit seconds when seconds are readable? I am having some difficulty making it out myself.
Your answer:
1,52
